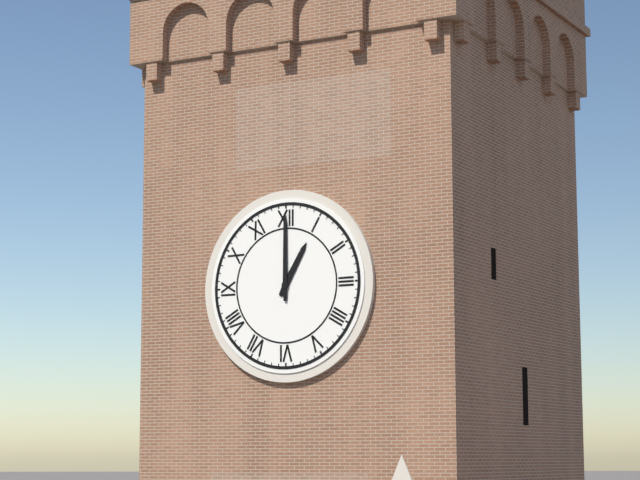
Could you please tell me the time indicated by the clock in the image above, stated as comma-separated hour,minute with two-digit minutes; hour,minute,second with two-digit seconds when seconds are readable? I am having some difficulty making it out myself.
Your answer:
1,00
